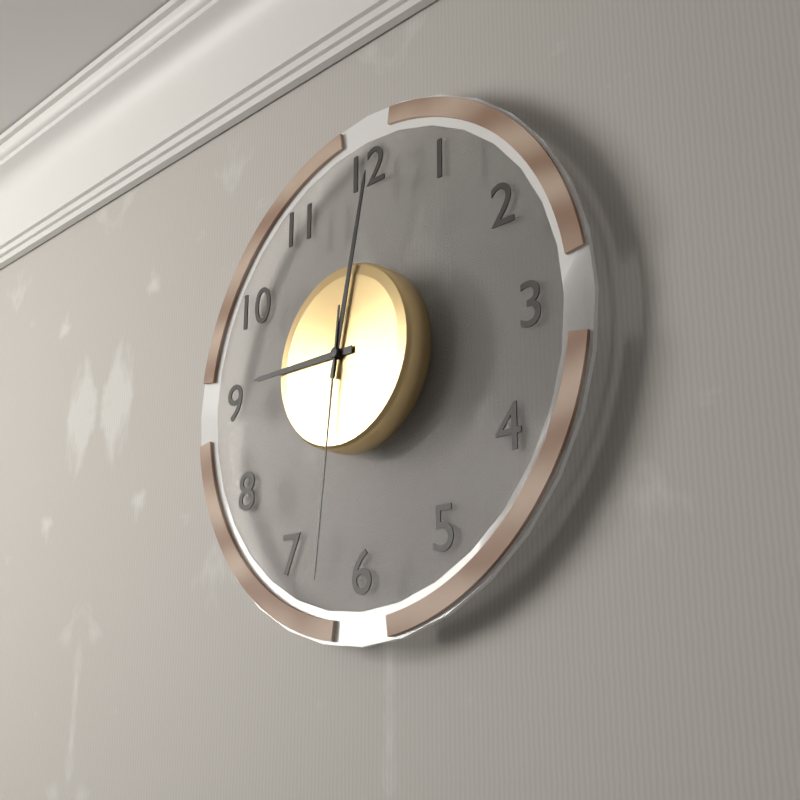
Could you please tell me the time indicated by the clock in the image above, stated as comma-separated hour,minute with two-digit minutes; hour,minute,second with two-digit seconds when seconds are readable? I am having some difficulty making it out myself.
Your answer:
9,02,31
